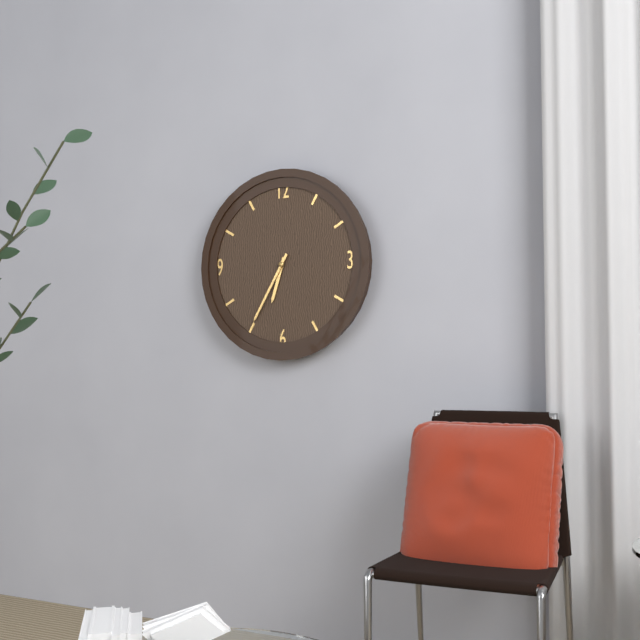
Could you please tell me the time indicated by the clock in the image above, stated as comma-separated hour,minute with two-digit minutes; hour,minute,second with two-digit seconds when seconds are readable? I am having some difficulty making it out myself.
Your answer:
6,35
